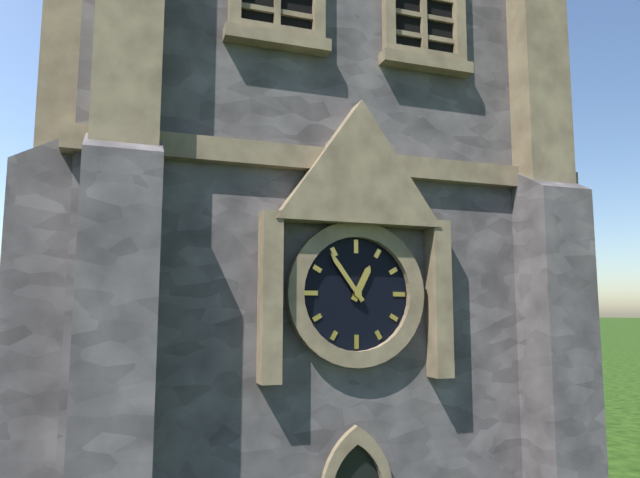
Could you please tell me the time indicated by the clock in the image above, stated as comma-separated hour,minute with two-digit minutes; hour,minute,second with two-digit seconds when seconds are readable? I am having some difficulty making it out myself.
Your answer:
12,54
